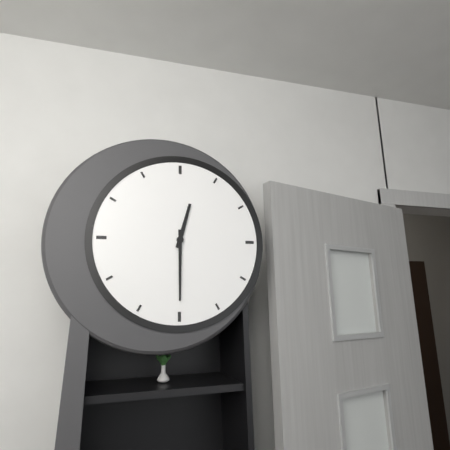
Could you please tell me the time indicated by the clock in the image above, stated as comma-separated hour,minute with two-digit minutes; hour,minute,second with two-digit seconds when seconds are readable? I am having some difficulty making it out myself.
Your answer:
12,30
